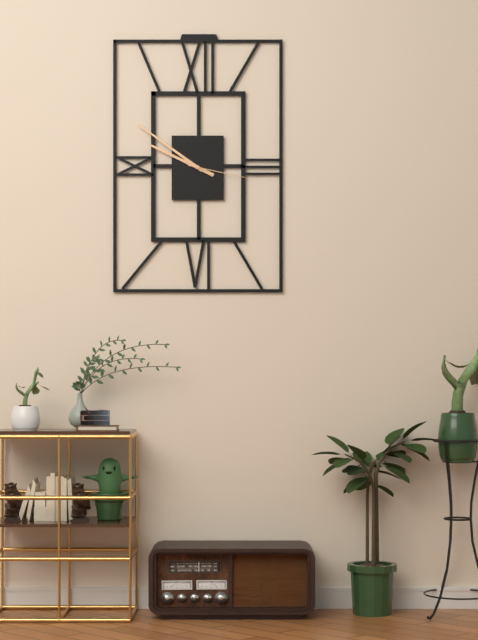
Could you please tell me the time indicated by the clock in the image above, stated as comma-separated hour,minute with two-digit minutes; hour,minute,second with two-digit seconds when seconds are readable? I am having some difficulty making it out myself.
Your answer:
9,51,17
